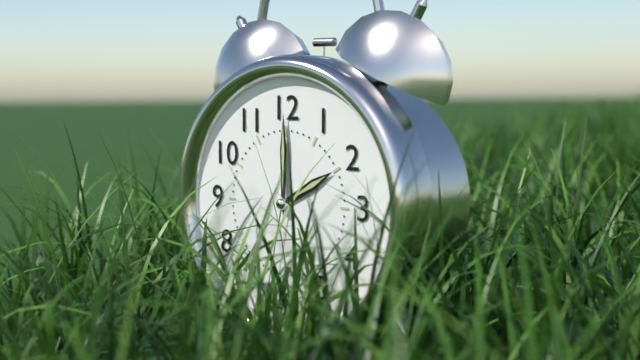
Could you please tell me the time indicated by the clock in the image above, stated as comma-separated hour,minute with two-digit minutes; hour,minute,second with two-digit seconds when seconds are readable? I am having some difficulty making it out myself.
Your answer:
2,00
